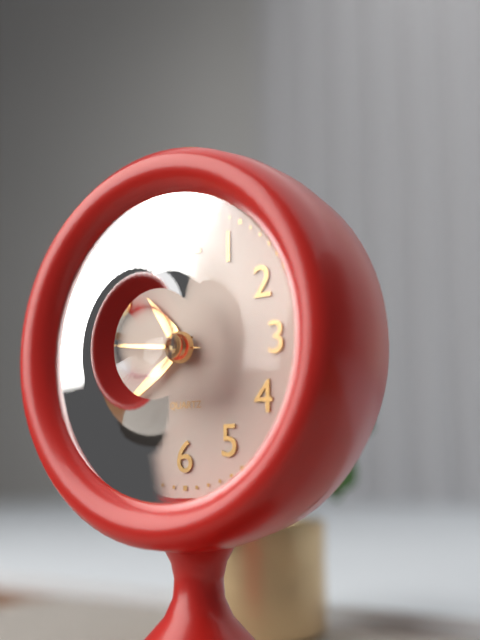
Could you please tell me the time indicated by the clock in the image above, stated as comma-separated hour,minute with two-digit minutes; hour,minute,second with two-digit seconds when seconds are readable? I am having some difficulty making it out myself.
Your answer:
10,39,46
